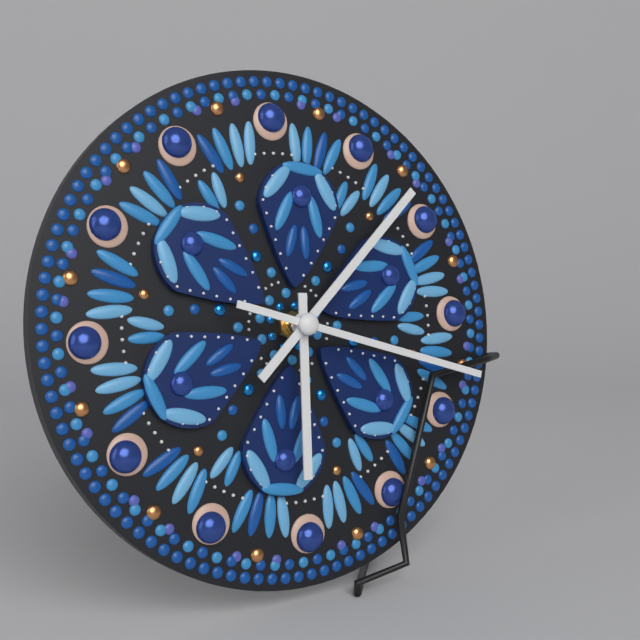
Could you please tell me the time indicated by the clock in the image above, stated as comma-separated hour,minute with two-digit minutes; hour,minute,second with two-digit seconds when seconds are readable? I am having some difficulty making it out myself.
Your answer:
6,08,18
